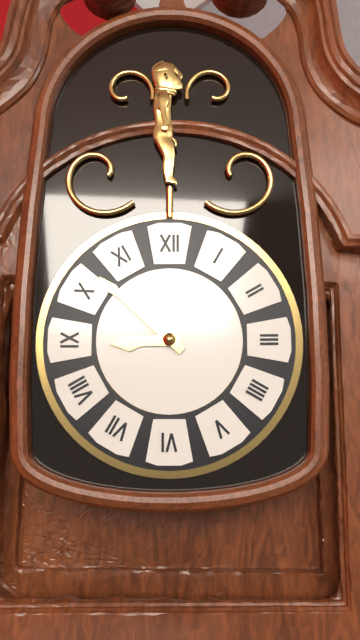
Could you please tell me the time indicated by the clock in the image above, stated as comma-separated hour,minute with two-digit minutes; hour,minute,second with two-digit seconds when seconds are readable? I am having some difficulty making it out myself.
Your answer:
8,52
